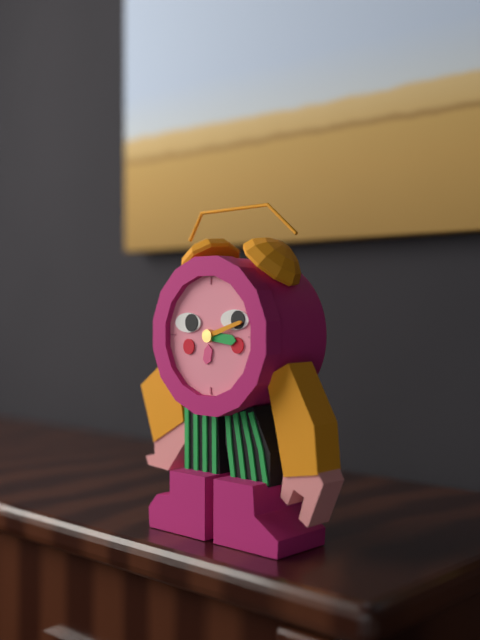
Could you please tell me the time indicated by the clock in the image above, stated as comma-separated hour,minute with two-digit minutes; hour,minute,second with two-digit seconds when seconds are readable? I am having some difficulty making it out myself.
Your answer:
3,12
